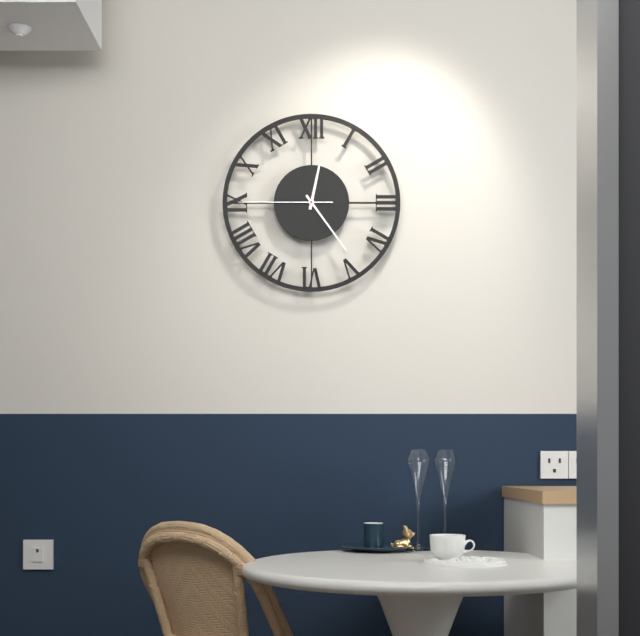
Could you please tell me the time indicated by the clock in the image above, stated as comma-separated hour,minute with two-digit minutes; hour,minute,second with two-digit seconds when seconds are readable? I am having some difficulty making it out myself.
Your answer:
12,24,45
